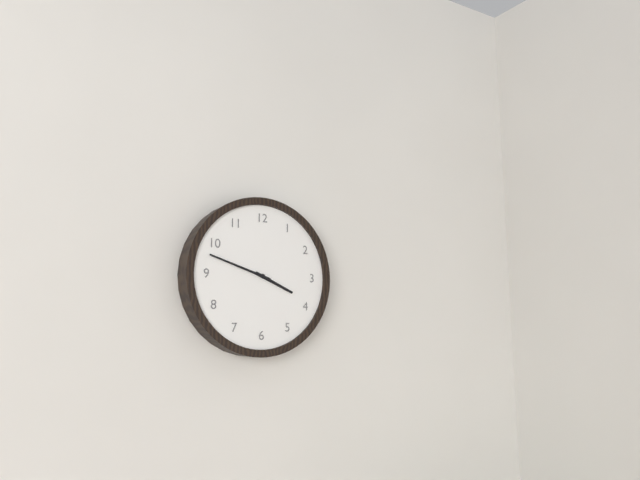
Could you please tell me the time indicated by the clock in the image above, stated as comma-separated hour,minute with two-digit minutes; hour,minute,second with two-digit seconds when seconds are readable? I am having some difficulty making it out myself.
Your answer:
3,48
